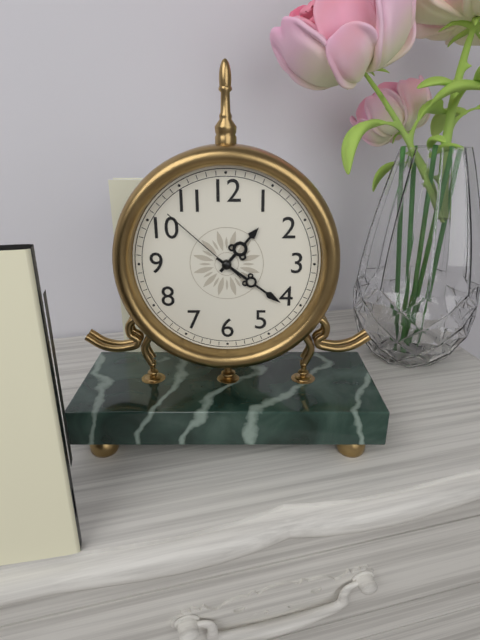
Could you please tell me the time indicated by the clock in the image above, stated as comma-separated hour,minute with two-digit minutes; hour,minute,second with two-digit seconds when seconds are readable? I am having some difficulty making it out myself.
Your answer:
1,21,52
